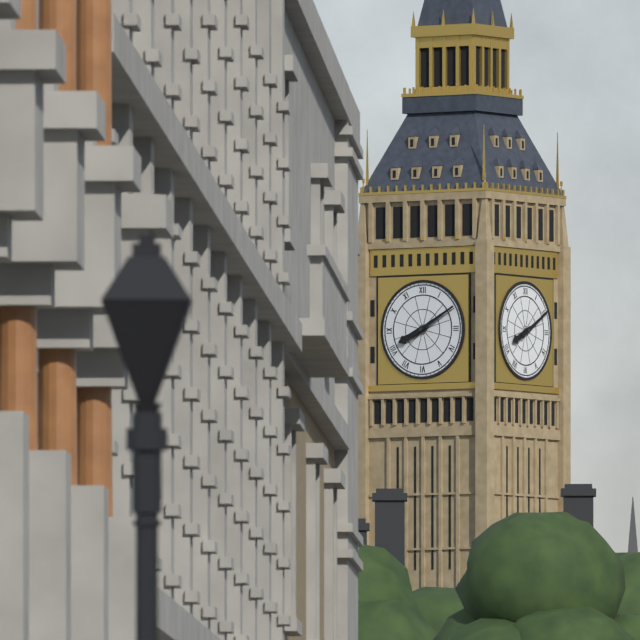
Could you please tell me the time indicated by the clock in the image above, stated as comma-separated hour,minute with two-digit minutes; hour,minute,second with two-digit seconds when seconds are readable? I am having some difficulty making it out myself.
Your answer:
8,10
